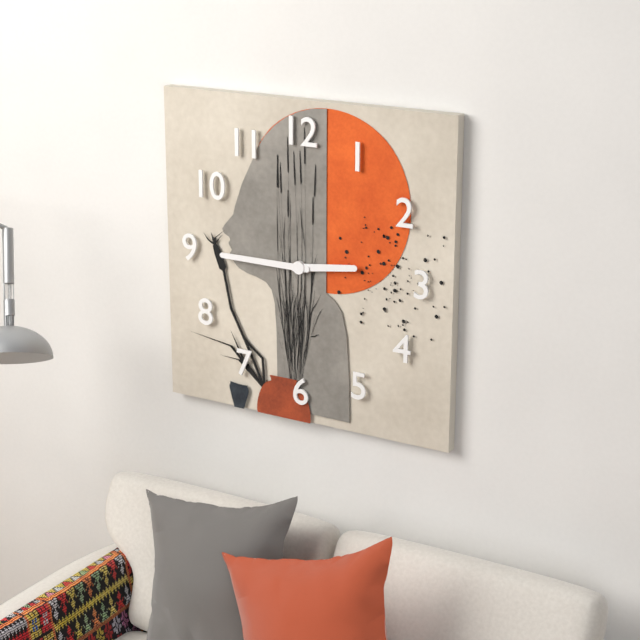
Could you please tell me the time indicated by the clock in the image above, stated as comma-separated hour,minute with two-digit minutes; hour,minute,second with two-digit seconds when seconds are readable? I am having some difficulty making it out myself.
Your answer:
2,45
